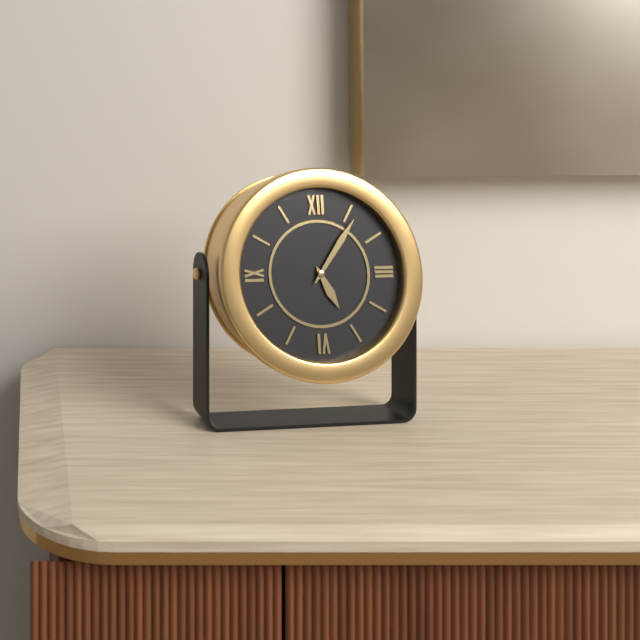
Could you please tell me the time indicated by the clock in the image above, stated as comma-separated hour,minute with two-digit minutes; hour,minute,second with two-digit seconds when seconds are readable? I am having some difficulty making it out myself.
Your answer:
5,06
